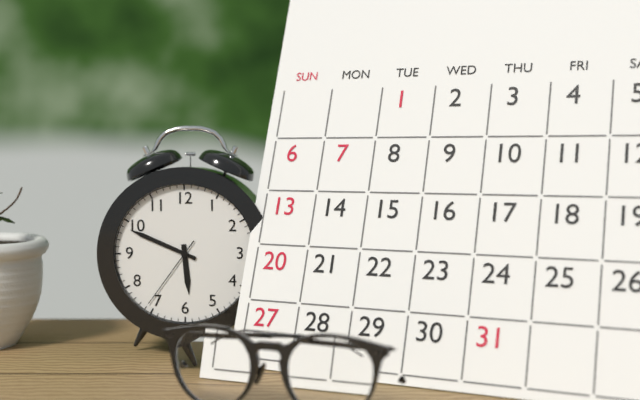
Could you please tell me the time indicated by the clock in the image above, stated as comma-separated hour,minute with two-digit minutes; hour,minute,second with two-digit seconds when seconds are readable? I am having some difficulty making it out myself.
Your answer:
5,49,36
